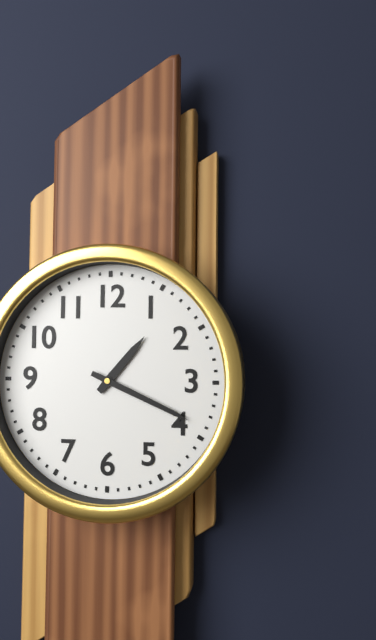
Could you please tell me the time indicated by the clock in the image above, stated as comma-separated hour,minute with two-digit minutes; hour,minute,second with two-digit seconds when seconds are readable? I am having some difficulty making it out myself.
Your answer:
1,19
